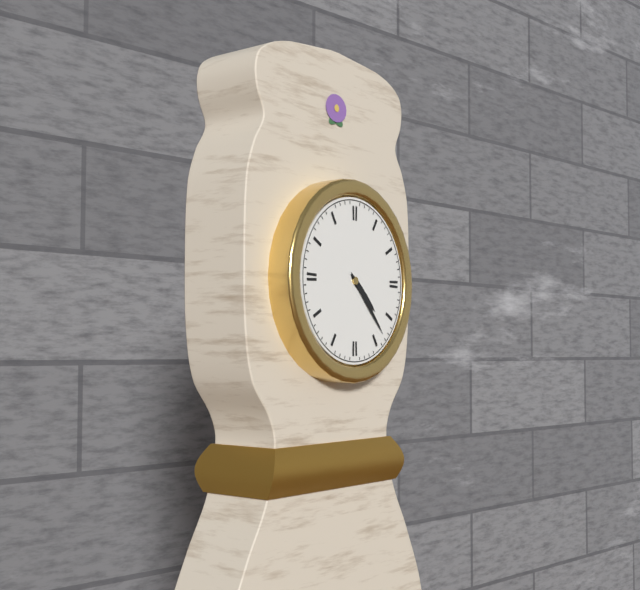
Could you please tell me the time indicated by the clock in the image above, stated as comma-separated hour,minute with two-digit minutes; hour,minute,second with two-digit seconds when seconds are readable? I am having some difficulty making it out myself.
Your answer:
4,23
